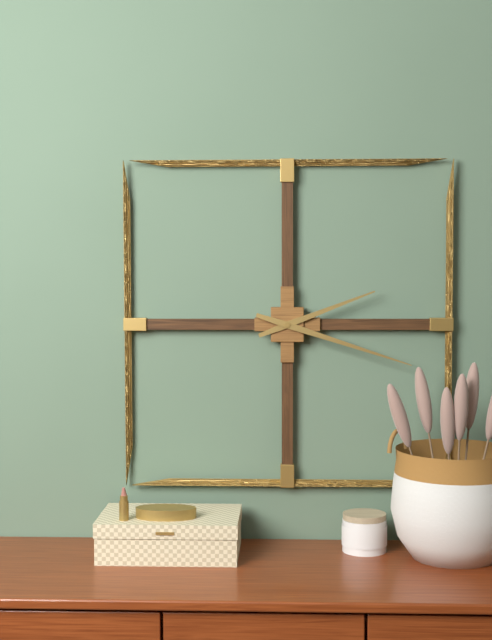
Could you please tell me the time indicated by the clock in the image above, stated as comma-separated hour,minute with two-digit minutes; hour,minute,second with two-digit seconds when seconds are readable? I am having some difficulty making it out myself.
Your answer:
2,18
